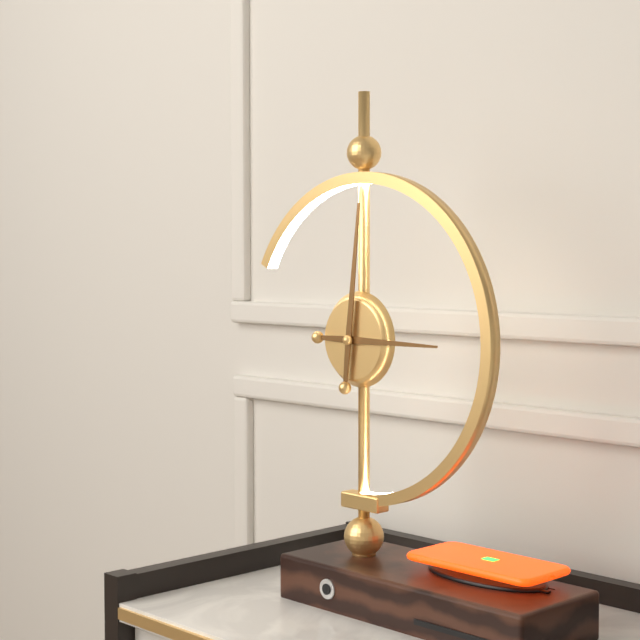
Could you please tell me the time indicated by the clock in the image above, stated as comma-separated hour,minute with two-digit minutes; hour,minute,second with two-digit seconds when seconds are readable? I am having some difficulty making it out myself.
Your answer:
3,01
